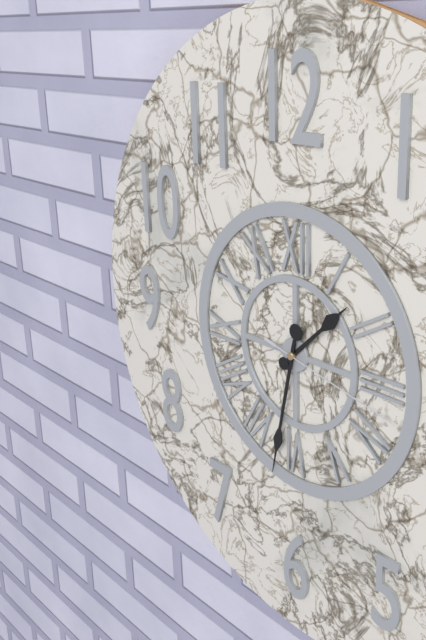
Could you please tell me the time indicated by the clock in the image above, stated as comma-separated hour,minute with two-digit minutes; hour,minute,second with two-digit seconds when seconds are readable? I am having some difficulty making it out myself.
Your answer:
1,32,17
